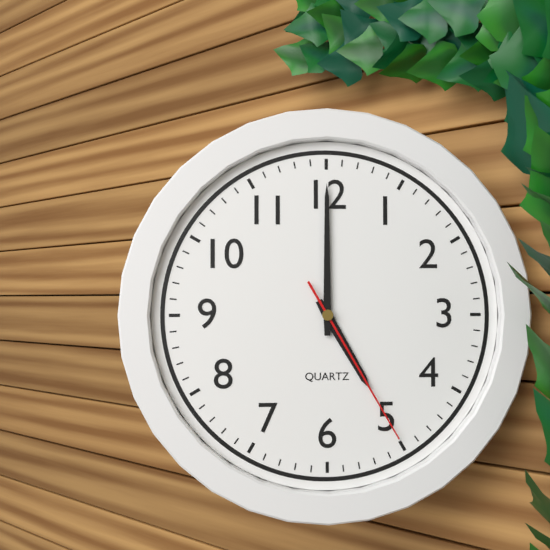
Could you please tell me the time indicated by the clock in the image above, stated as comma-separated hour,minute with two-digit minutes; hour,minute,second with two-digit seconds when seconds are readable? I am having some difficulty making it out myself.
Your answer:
5,00,25
